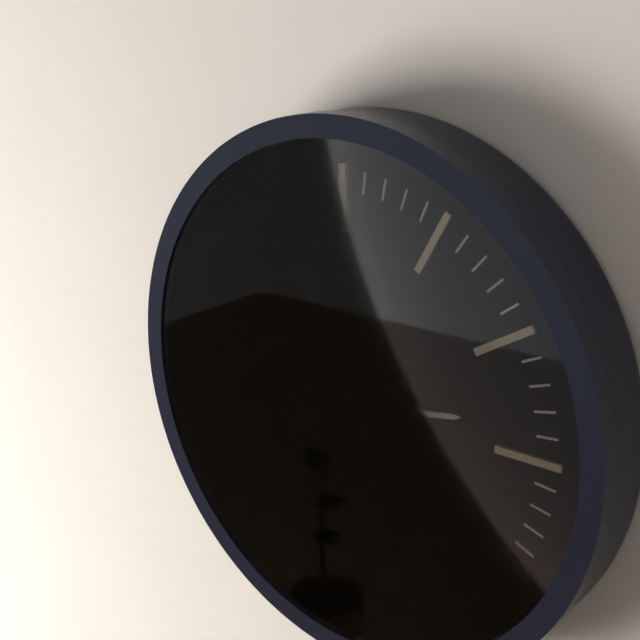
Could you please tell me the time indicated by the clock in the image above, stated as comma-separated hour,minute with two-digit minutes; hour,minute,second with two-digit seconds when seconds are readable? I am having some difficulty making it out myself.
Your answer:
2,41
